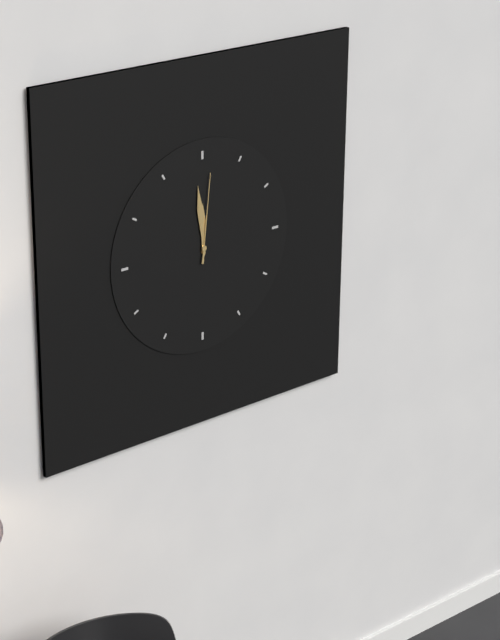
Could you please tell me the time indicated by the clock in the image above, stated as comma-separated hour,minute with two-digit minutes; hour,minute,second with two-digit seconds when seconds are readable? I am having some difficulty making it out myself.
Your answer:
11,59,01
